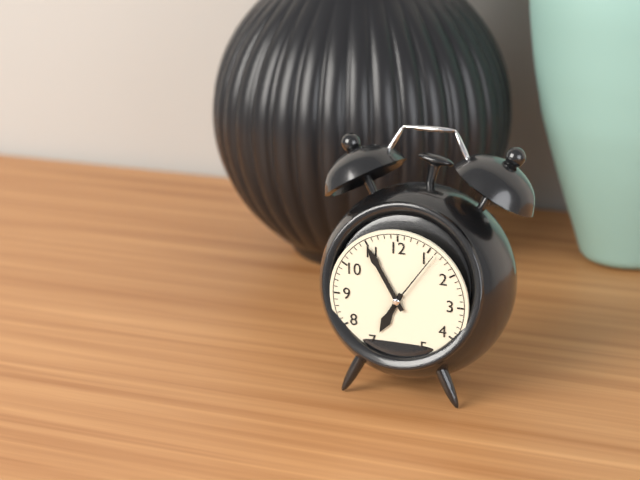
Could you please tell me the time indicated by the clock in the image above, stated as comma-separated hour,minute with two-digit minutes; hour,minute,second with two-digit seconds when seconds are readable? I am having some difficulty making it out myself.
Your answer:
6,55,06
